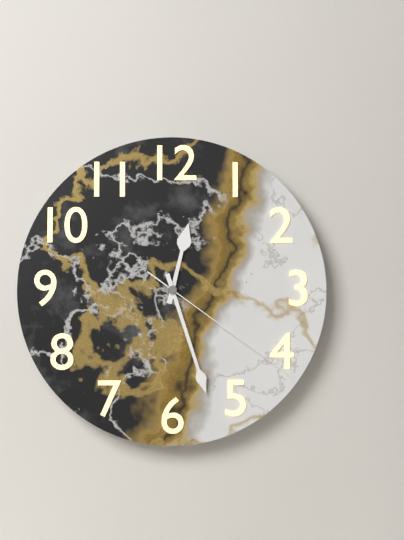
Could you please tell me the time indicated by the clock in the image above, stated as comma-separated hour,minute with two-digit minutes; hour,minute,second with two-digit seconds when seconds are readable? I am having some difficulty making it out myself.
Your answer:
12,27,21
